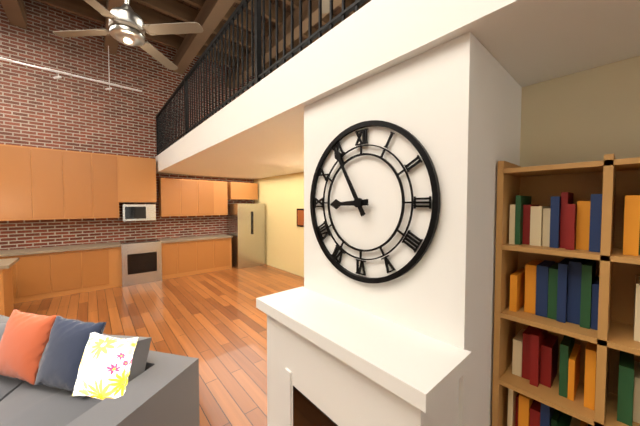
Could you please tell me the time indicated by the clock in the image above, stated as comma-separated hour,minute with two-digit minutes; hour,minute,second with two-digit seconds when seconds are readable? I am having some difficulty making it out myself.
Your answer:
8,55
